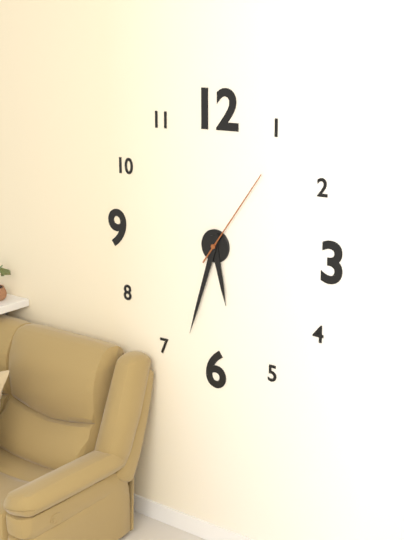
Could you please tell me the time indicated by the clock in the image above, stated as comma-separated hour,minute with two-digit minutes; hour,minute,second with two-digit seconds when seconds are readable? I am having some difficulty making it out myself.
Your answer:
5,33,06
